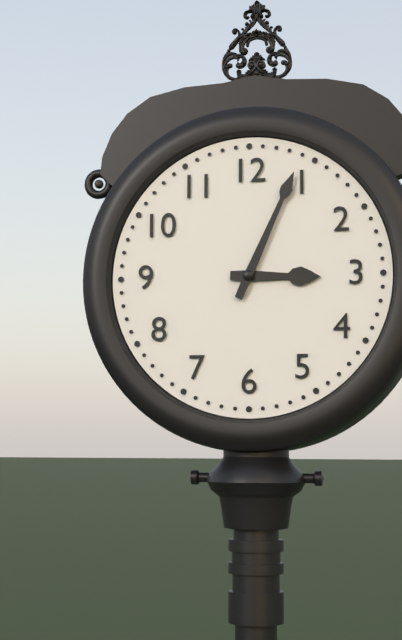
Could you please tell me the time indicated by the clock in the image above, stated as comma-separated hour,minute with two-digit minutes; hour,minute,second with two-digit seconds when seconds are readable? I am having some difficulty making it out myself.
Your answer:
3,04
